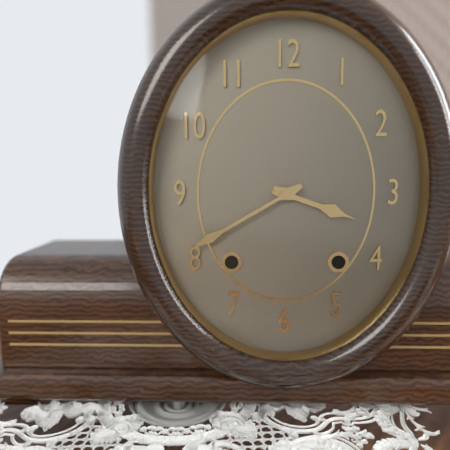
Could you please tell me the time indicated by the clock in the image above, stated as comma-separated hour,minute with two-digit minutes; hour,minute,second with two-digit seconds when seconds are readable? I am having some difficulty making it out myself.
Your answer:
3,40
